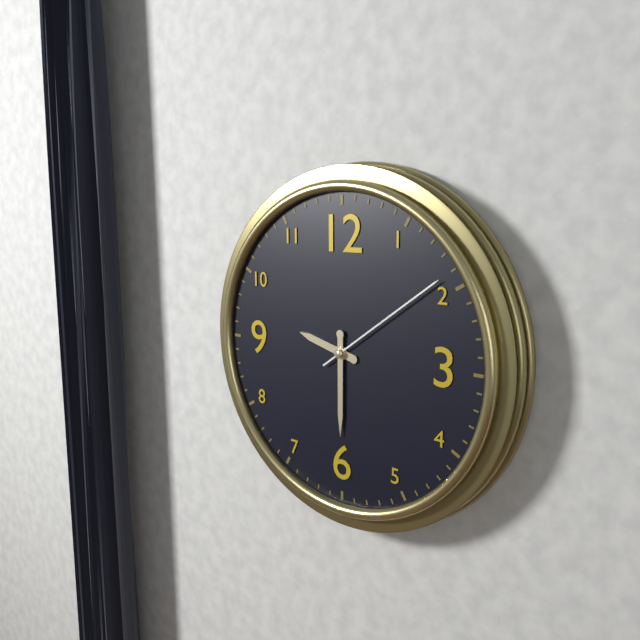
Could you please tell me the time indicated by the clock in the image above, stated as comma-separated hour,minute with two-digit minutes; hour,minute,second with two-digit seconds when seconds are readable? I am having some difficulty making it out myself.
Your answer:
9,30,09
